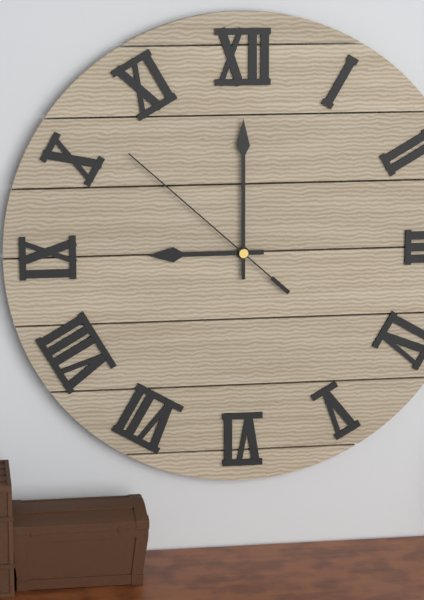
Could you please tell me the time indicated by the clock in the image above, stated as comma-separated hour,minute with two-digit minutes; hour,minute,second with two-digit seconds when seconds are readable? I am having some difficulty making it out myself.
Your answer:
9,00,52
